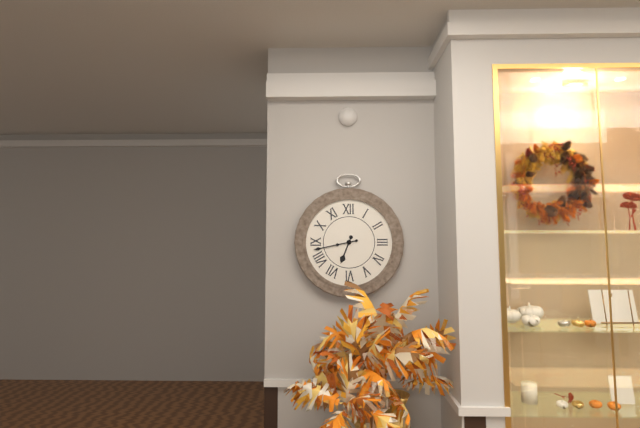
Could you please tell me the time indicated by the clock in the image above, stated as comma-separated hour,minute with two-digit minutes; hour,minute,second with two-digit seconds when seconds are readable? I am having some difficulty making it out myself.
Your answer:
6,43
